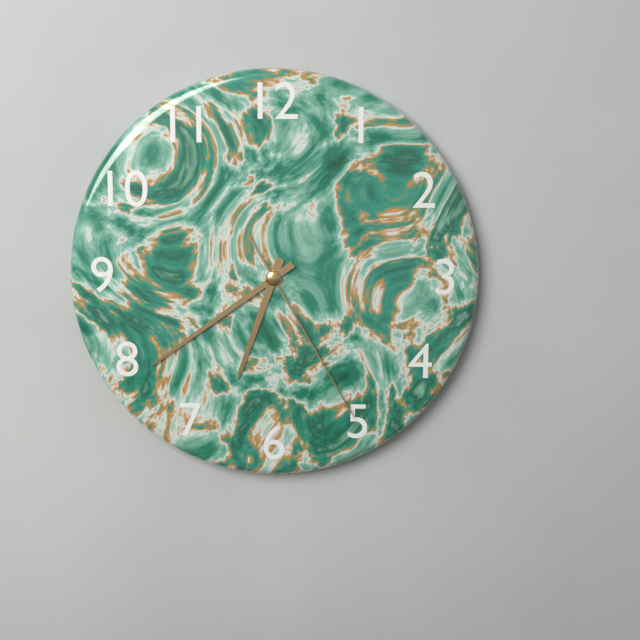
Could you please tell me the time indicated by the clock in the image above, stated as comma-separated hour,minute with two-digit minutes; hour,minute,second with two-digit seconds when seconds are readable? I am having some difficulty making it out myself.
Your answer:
6,39,25
